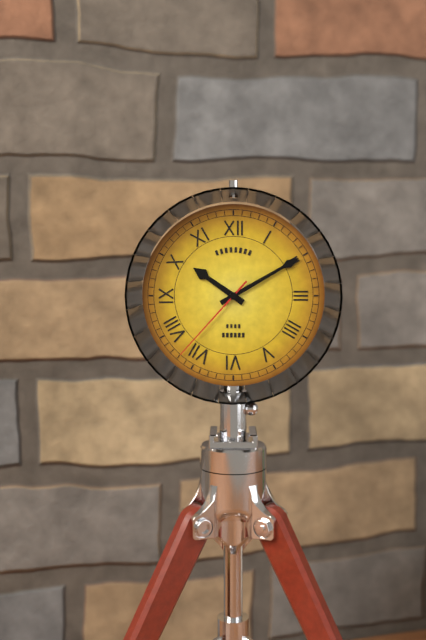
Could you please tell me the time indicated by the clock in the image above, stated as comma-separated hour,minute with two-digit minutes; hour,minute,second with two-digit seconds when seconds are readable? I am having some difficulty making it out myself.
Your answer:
10,10,37
